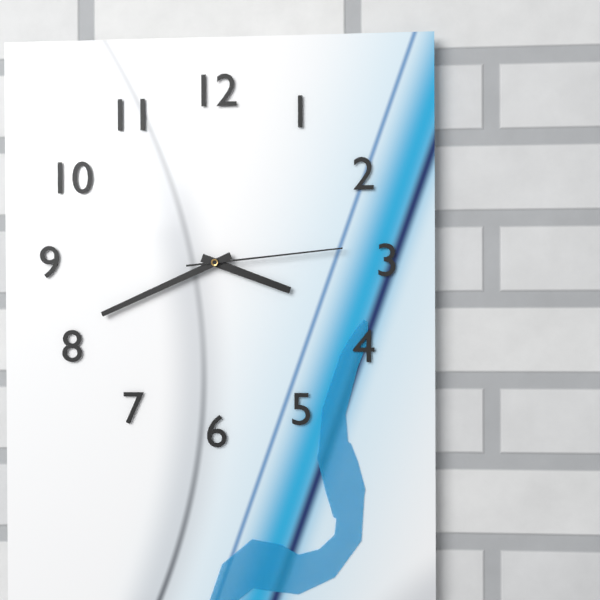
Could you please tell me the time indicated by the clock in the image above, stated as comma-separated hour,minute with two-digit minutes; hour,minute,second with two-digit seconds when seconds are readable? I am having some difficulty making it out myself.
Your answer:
3,41,14
